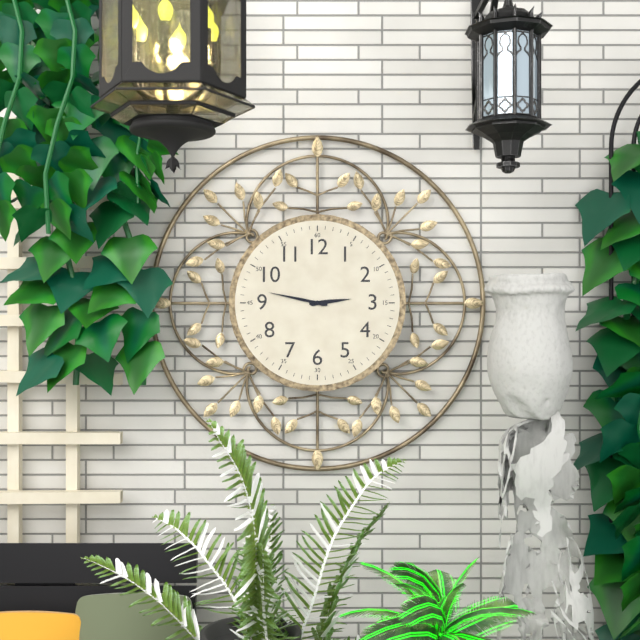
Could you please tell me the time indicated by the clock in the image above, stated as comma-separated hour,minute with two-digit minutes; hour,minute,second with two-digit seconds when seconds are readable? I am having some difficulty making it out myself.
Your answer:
2,47
